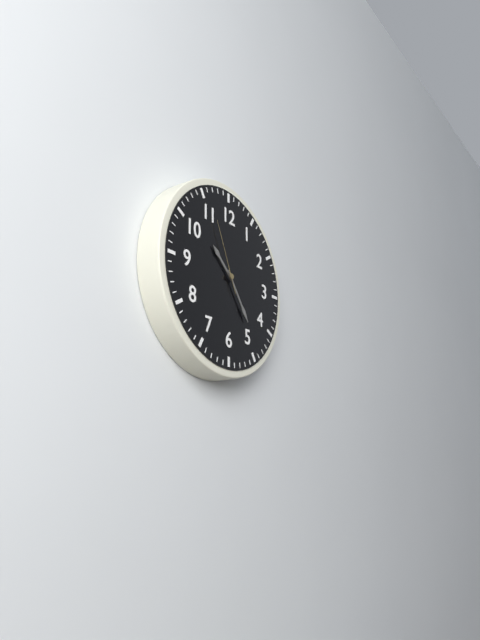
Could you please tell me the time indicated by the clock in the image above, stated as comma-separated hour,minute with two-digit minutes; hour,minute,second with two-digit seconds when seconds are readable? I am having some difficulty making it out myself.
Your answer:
10,24,56
